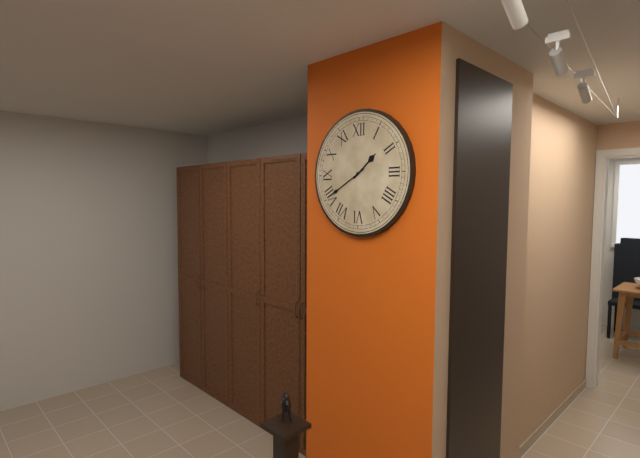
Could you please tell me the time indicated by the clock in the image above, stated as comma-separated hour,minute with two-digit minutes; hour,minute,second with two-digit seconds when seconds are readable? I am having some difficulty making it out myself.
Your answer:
1,40
